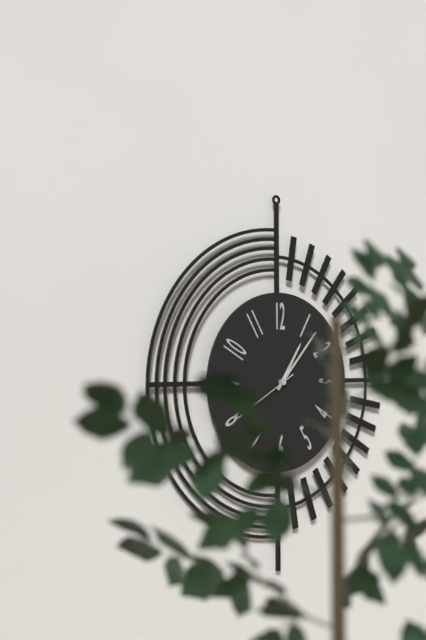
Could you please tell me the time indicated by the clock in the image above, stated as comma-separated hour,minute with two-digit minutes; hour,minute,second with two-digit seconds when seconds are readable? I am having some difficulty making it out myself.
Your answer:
1,07
